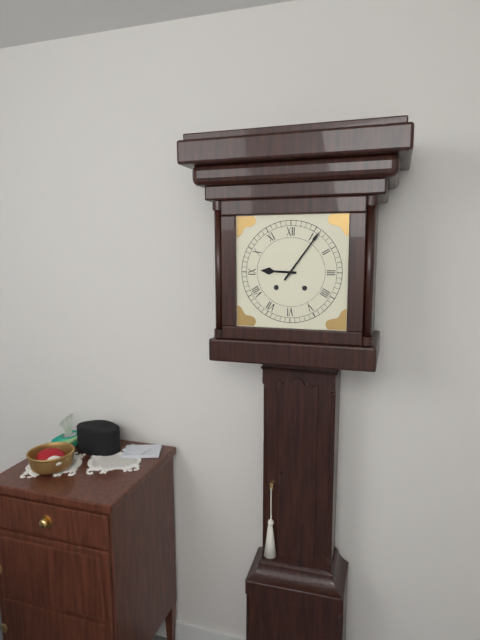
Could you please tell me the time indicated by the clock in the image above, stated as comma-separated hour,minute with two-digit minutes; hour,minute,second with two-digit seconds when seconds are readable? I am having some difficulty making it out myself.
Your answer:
9,06
